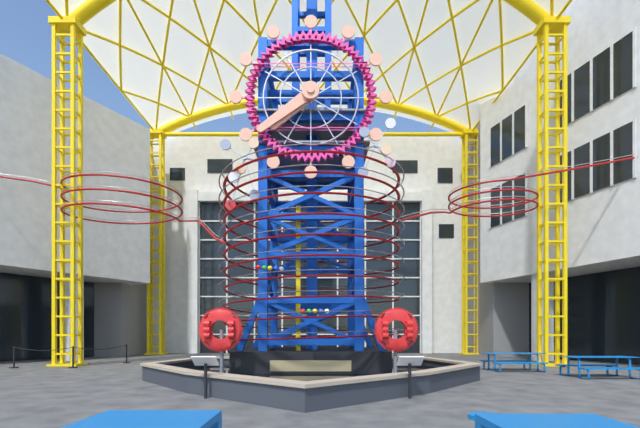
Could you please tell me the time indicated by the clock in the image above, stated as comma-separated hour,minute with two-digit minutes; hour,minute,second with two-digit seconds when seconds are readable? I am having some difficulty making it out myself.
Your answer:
7,39
